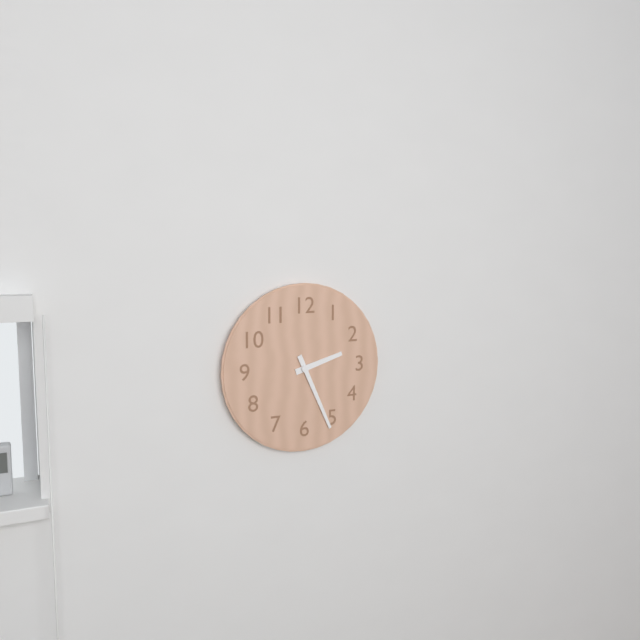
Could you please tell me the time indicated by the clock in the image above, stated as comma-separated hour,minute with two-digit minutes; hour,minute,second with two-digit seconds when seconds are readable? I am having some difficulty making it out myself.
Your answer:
2,26
